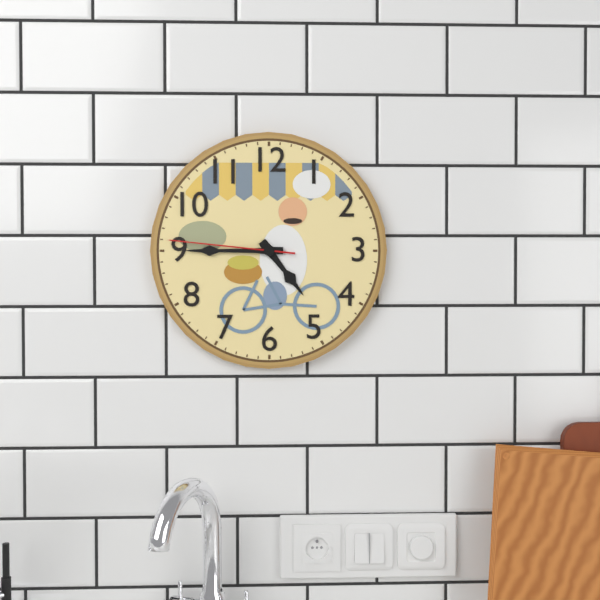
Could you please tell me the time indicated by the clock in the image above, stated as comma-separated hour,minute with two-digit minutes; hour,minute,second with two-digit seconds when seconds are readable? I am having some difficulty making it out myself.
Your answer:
4,45,46
